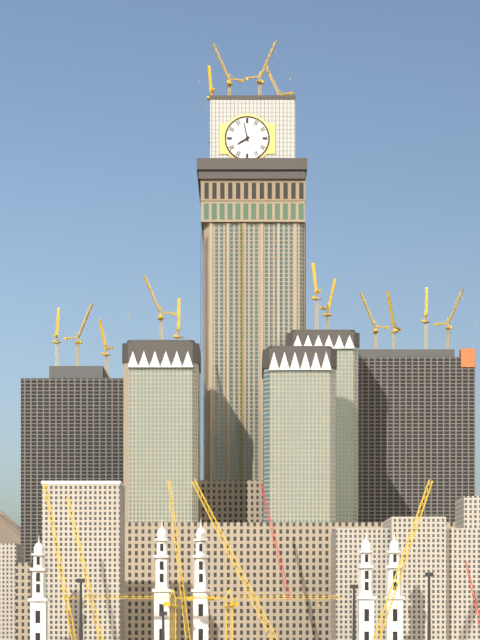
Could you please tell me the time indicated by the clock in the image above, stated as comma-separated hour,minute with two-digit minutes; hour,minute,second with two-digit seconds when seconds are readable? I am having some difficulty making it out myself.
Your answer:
7,58
